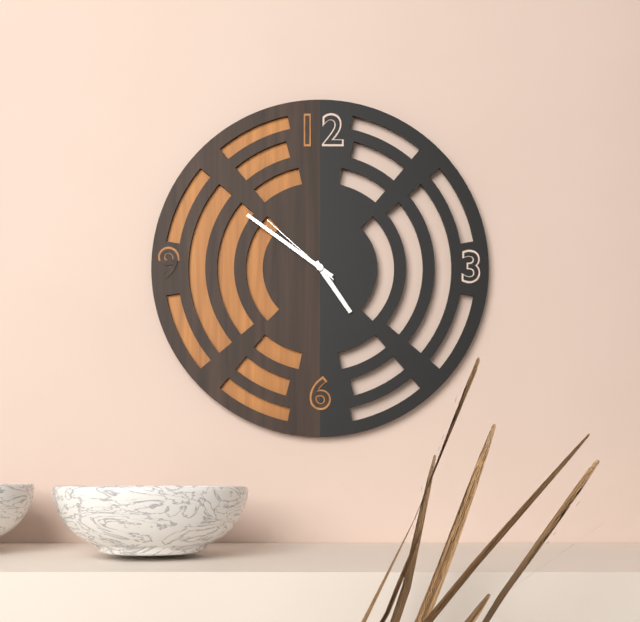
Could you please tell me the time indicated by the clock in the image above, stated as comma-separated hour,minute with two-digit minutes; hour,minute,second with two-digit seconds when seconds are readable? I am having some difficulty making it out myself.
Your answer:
4,51,52
